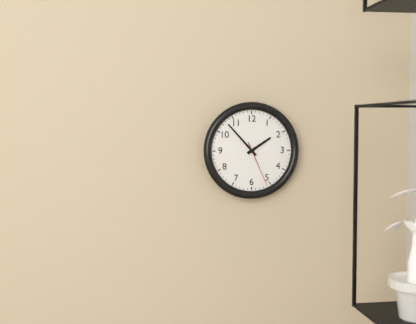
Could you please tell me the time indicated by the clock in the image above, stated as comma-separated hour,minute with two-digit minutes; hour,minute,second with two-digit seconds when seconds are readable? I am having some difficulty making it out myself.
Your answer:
1,53
